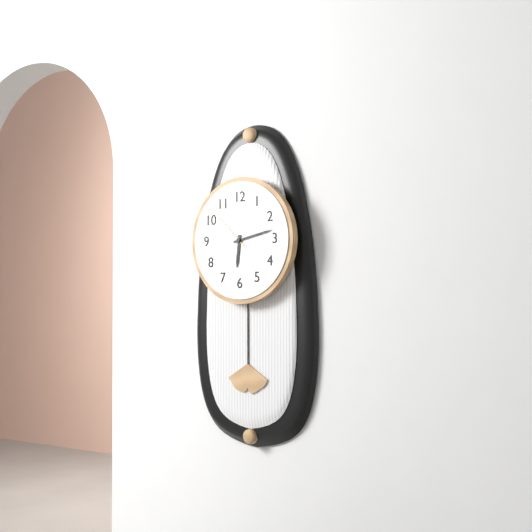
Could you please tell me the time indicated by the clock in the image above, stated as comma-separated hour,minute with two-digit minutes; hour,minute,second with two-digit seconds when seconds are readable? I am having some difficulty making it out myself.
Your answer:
6,13
